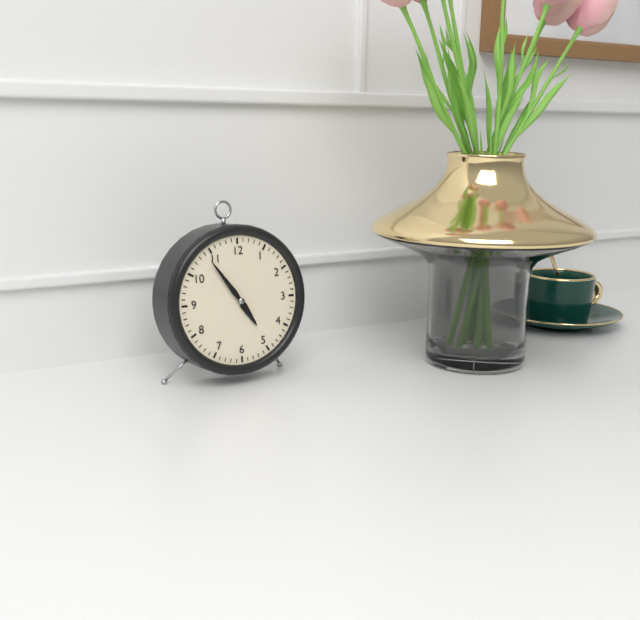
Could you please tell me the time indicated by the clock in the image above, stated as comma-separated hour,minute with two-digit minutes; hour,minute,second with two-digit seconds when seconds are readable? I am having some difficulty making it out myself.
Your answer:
4,54
